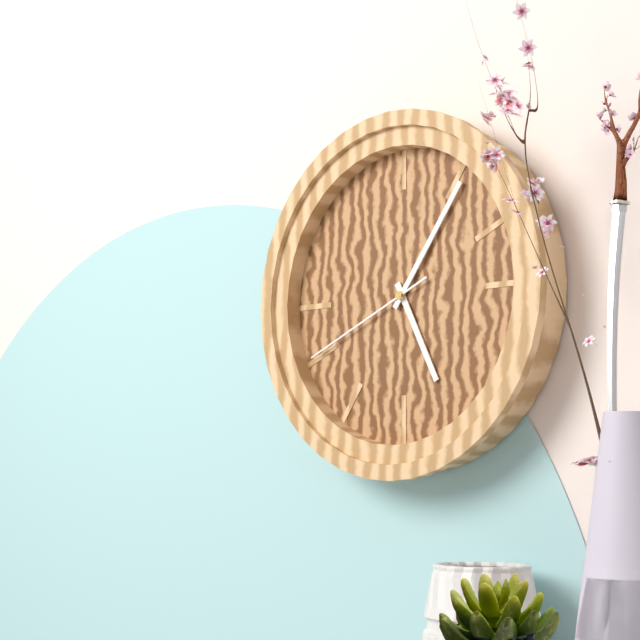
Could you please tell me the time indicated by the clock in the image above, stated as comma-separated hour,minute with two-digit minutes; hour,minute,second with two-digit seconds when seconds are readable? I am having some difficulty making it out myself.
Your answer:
5,06,41
